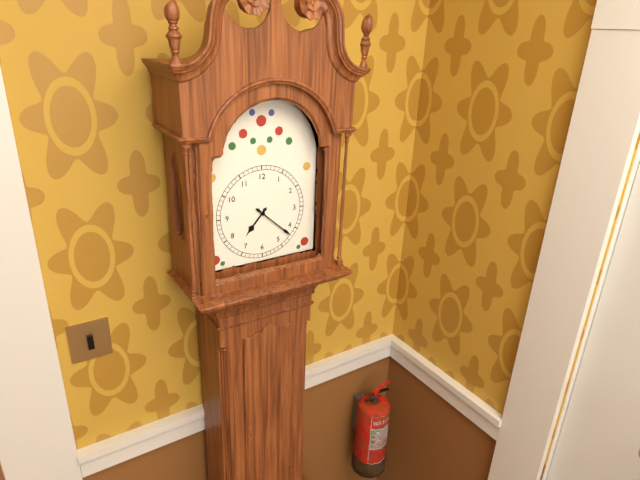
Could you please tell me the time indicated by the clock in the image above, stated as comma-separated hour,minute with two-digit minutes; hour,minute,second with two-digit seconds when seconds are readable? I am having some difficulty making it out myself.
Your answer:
7,22
